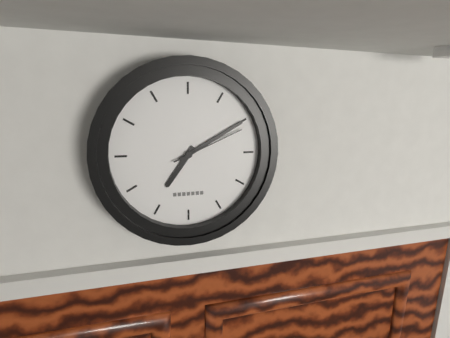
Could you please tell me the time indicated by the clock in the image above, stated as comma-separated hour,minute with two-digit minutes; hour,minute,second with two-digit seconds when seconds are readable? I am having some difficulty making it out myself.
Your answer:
7,10,11
